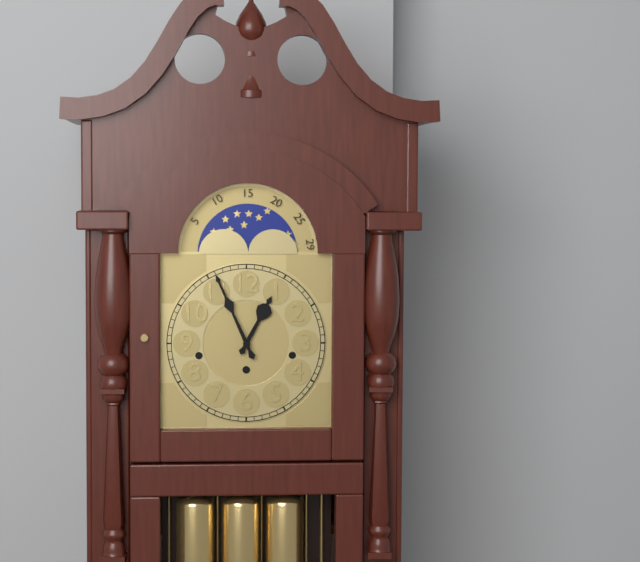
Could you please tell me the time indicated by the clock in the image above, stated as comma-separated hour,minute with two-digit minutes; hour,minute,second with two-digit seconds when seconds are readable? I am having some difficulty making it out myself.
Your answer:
12,56
